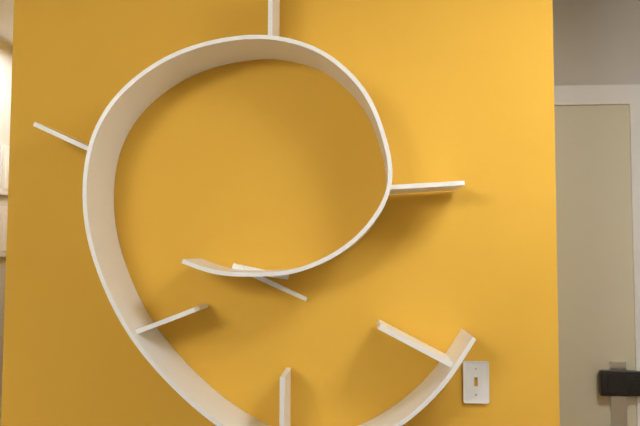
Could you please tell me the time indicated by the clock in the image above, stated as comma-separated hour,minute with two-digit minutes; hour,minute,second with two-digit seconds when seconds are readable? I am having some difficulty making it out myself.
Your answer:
3,19
